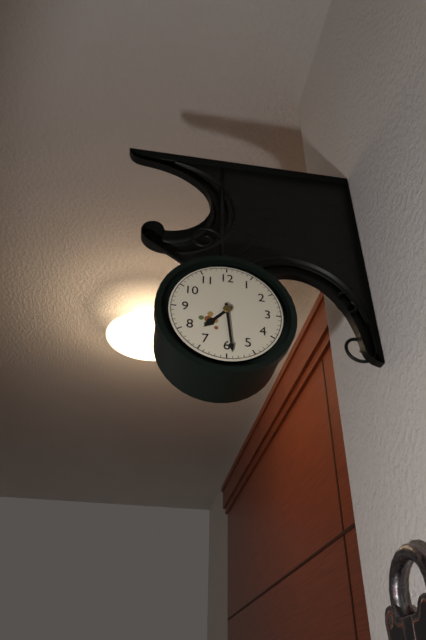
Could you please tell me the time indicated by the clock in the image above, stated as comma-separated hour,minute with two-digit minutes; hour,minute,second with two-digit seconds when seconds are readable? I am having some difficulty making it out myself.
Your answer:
7,29
